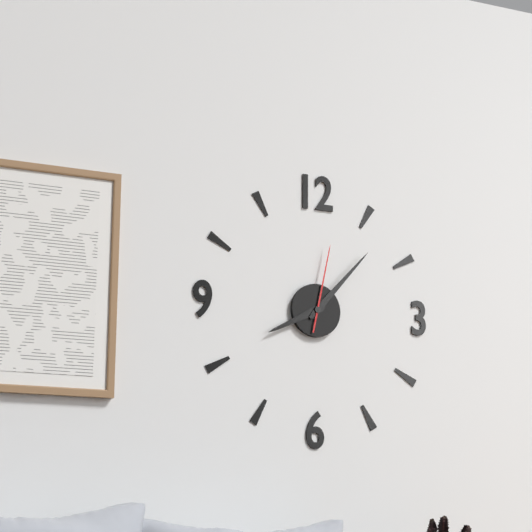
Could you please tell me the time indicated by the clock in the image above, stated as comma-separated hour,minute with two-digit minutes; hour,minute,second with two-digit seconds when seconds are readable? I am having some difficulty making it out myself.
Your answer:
8,07,02
